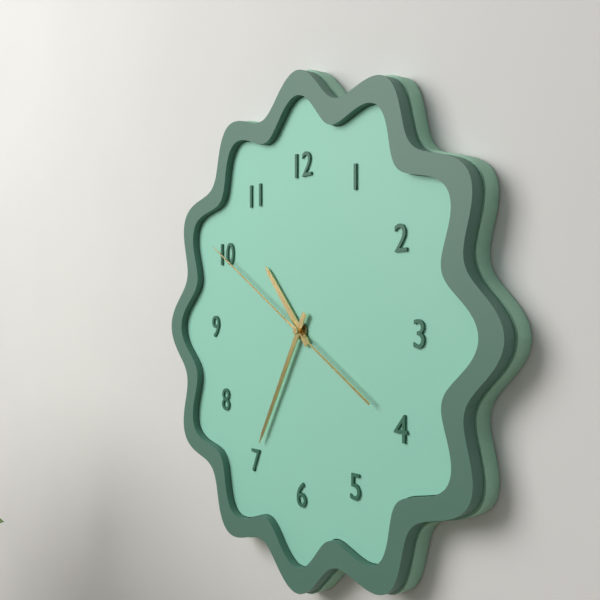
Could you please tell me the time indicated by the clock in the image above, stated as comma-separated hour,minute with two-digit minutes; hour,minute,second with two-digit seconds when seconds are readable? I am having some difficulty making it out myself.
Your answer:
10,35,50
